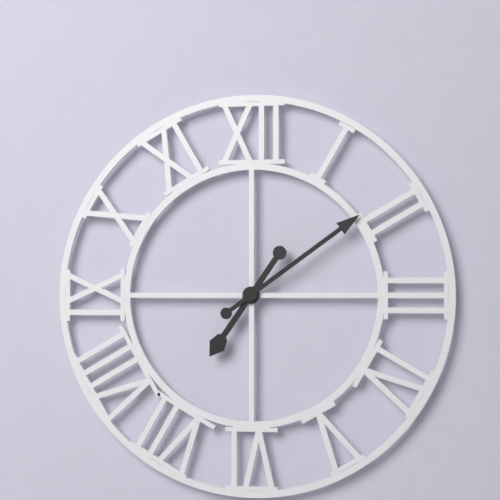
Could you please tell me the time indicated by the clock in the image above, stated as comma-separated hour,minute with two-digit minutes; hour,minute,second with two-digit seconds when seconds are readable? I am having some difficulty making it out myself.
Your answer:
7,09
